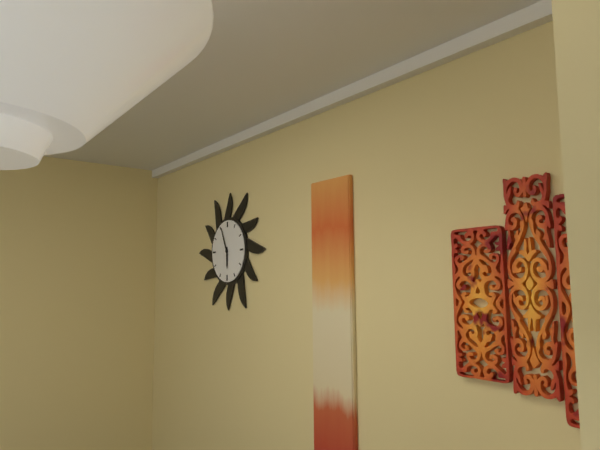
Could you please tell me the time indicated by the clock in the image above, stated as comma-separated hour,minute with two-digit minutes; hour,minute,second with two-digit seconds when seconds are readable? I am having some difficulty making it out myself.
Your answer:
5,56
